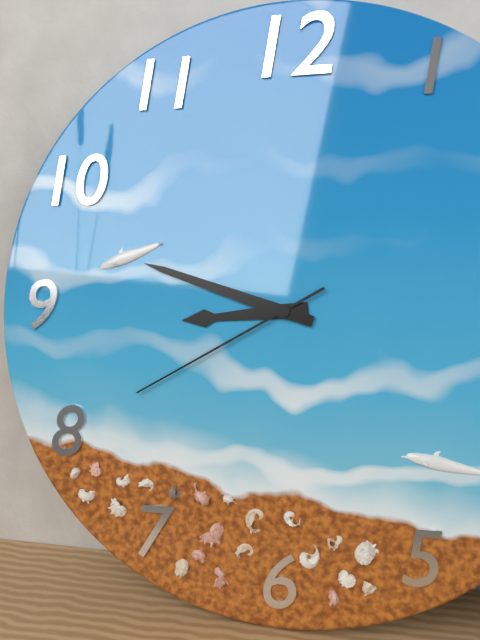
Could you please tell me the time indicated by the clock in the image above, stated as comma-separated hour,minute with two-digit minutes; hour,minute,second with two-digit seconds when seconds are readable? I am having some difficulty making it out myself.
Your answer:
8,48,40
